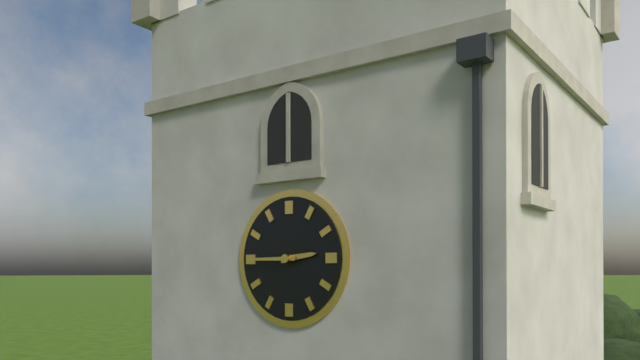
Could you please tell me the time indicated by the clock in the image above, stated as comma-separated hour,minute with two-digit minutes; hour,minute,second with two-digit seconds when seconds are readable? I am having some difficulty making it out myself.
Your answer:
2,45
